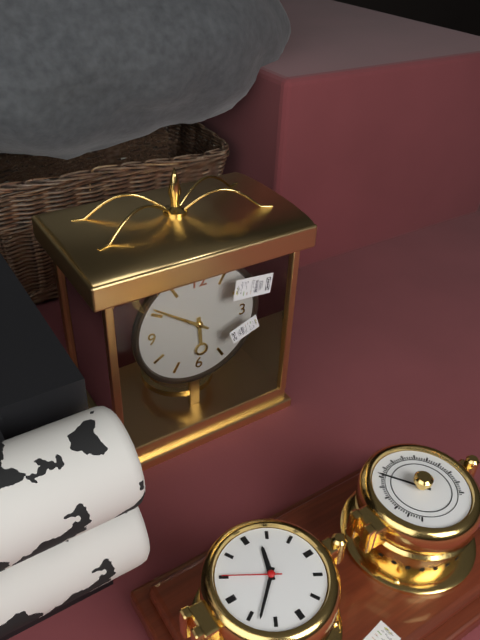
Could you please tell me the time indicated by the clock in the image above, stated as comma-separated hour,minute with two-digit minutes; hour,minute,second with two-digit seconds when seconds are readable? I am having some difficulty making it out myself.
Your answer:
5,51
